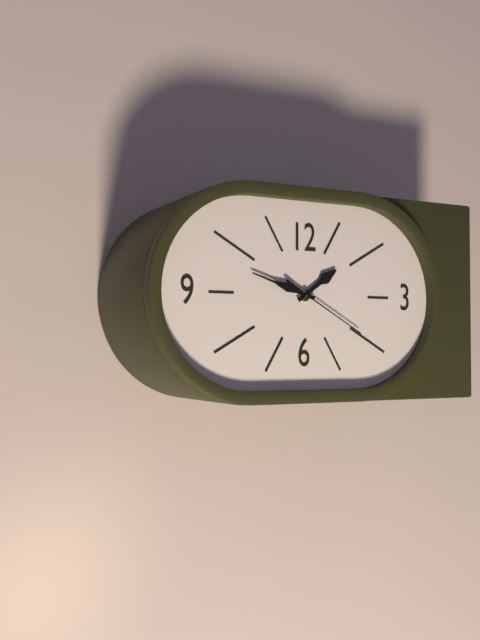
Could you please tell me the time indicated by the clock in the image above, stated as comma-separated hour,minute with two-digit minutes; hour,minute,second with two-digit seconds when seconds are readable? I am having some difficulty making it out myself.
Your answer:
1,48,20
